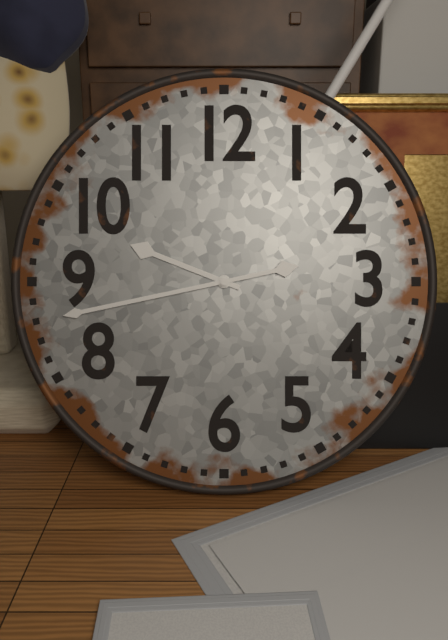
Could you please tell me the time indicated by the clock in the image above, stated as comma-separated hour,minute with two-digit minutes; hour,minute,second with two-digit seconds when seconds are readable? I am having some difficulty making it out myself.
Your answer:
9,43
